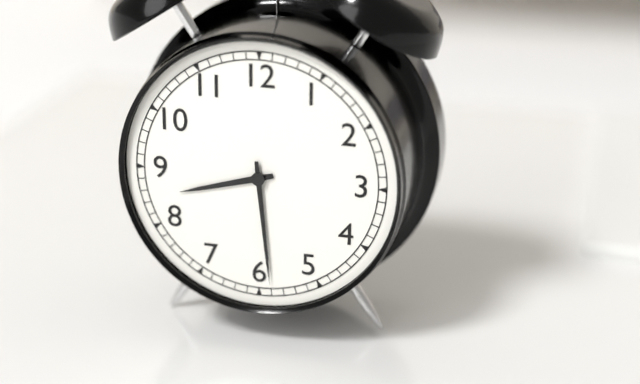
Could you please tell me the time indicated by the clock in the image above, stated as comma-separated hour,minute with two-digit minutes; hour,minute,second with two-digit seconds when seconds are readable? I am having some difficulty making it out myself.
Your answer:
8,29
